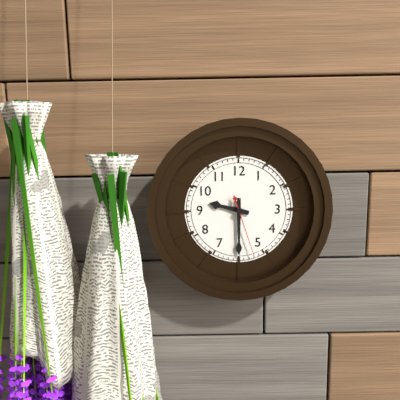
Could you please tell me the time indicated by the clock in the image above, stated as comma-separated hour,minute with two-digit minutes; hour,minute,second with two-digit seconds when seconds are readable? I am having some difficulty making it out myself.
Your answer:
9,30,27
